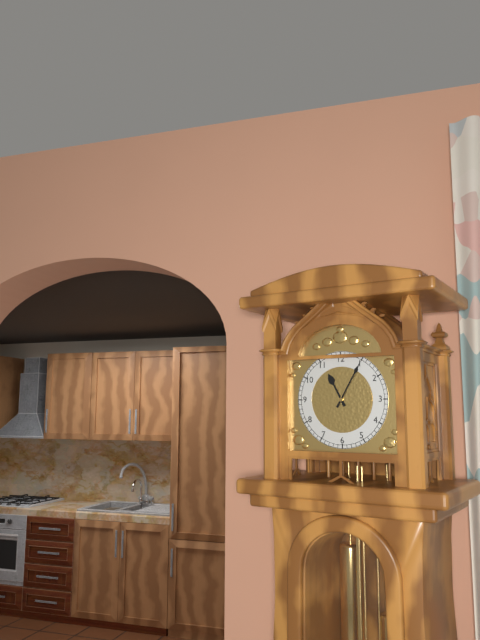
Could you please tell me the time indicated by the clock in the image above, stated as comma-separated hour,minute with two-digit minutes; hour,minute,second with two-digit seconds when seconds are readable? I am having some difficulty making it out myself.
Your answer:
11,05
